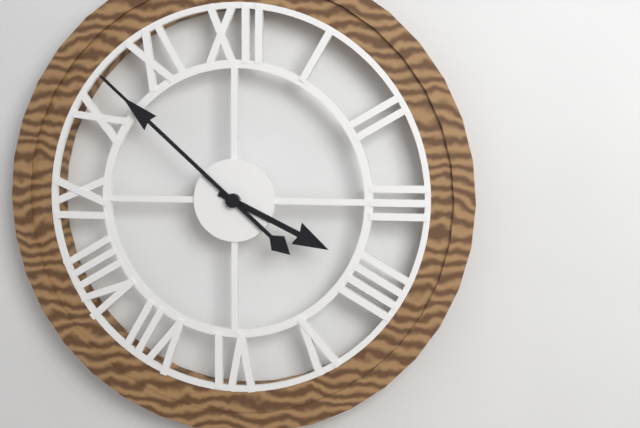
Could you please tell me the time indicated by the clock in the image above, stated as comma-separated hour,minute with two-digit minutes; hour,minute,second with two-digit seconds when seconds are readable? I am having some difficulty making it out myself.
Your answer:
3,52
